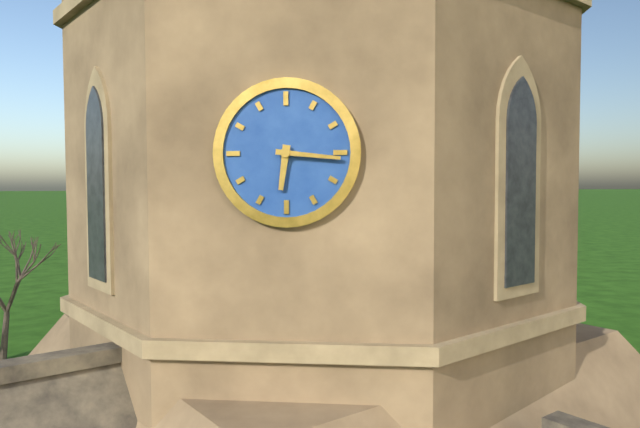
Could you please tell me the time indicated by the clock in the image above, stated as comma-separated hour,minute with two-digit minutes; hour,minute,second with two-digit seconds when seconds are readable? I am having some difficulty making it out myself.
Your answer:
6,16
